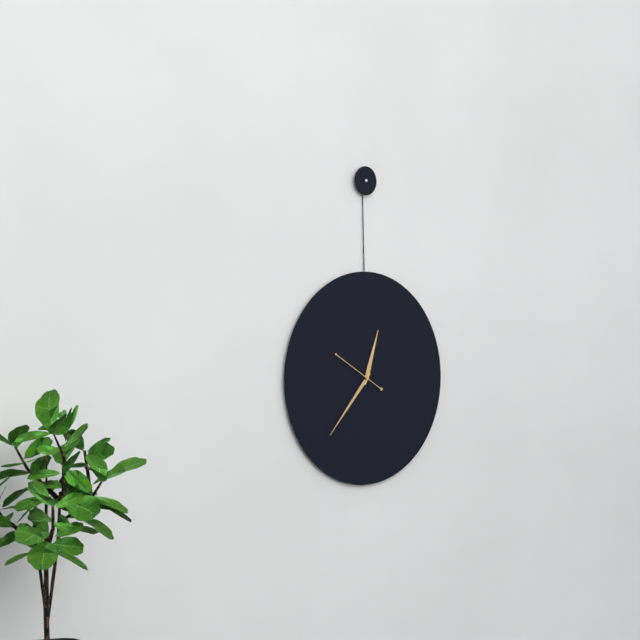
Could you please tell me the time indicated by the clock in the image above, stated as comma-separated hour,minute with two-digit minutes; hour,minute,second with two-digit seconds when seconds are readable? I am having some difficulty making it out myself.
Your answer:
12,37,50
